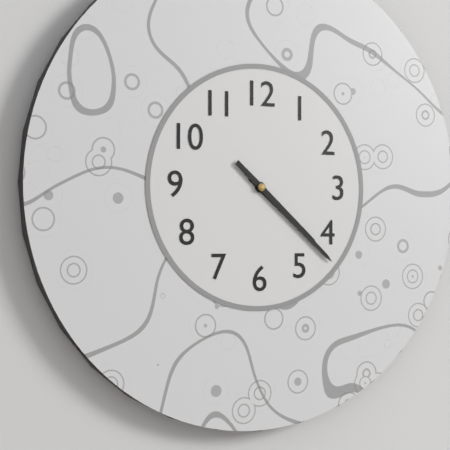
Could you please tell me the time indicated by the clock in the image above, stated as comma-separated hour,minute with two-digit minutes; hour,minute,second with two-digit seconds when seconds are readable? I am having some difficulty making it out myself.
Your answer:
4,22
